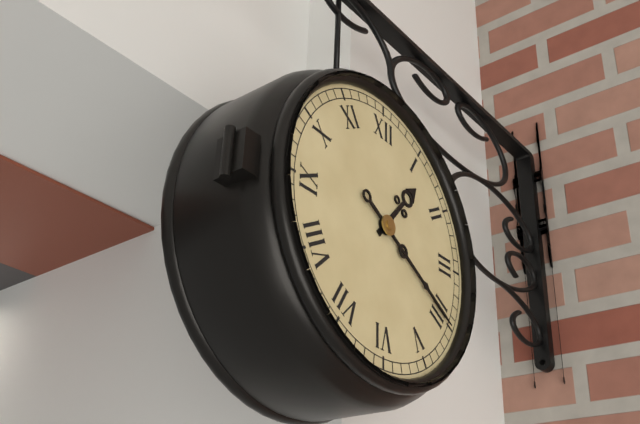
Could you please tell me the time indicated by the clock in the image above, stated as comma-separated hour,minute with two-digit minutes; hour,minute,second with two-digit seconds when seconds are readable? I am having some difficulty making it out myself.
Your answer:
1,20
